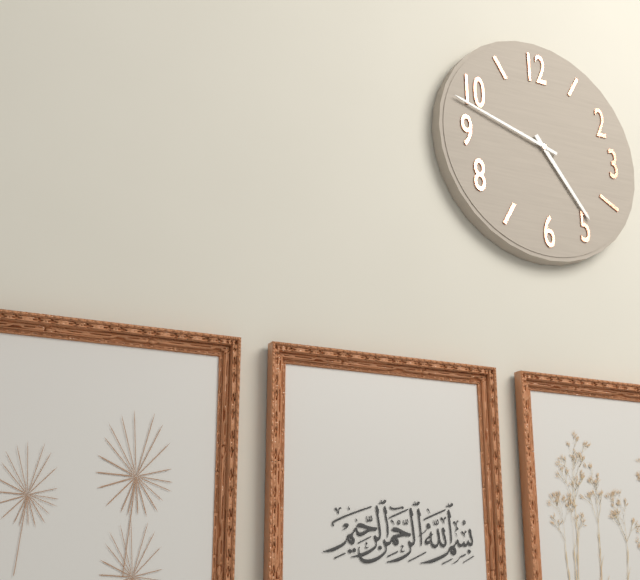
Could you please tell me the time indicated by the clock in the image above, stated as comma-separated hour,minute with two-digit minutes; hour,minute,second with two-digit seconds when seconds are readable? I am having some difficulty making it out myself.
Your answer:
4,48
